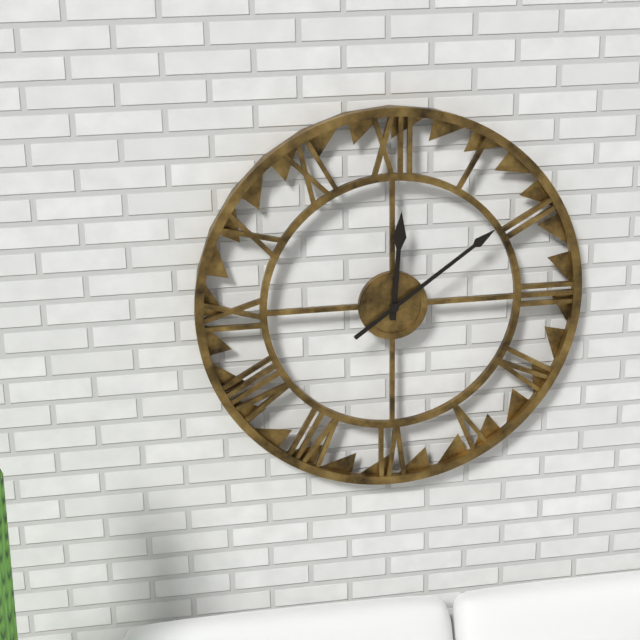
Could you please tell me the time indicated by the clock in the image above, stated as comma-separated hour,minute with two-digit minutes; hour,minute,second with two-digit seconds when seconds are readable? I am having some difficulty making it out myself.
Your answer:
12,09
